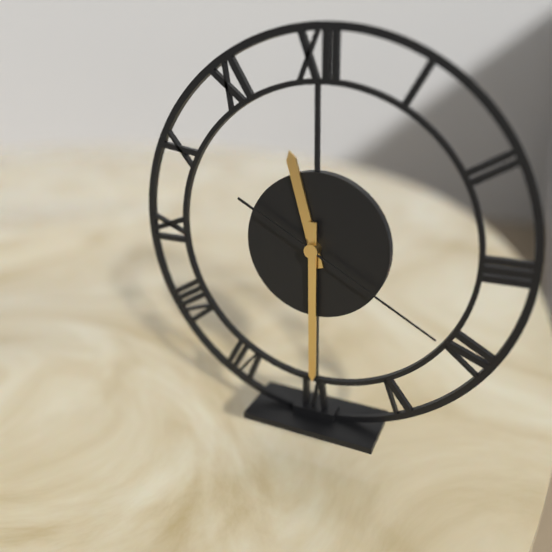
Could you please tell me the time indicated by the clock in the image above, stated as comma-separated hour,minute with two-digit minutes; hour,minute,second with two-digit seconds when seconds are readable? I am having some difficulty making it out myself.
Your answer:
11,30,20
